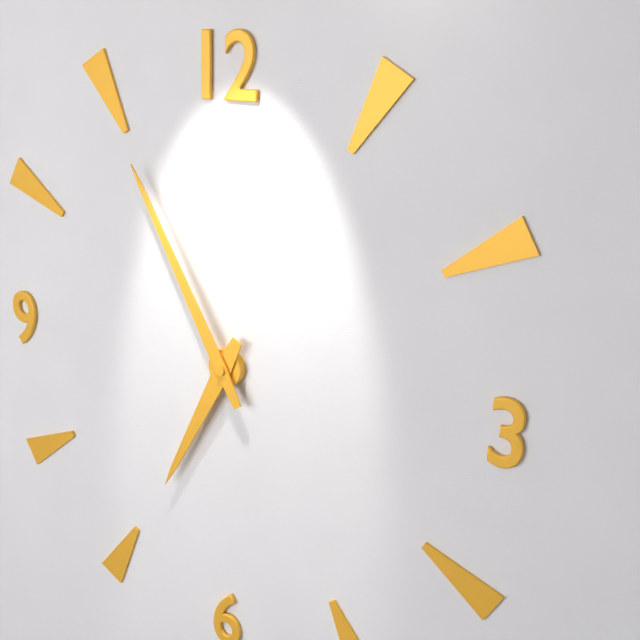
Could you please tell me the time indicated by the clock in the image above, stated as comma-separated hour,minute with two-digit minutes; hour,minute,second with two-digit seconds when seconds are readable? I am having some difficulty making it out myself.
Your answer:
6,55
